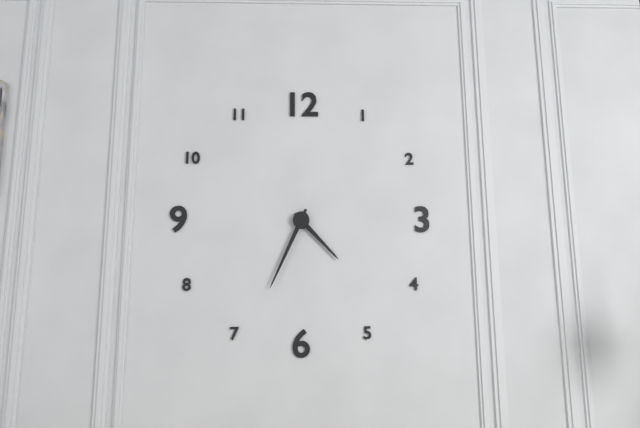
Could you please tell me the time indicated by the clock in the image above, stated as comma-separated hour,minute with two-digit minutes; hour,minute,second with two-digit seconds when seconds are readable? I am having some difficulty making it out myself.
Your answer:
4,34
